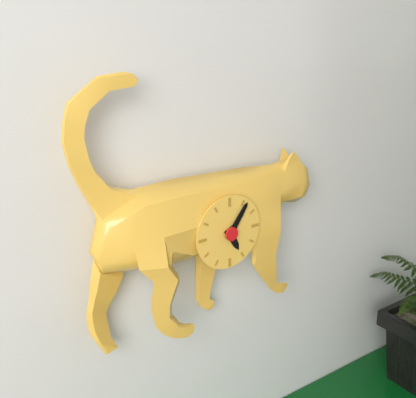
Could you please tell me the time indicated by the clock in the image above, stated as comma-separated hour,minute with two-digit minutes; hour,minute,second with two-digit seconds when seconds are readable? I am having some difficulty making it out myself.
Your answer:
5,06
